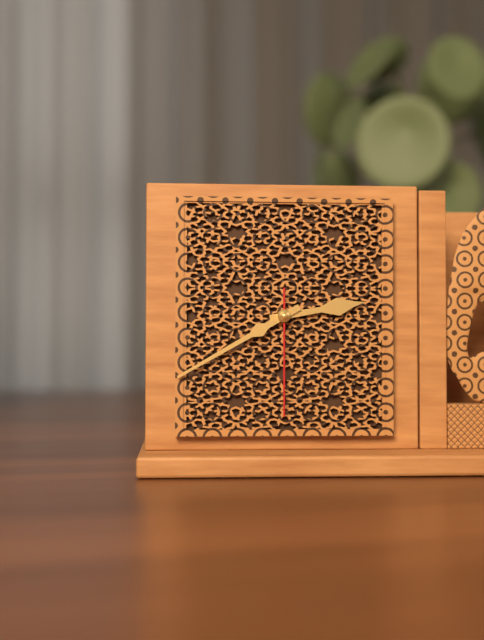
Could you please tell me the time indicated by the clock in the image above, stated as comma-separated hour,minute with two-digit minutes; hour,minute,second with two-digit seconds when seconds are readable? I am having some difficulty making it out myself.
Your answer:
2,40,30
